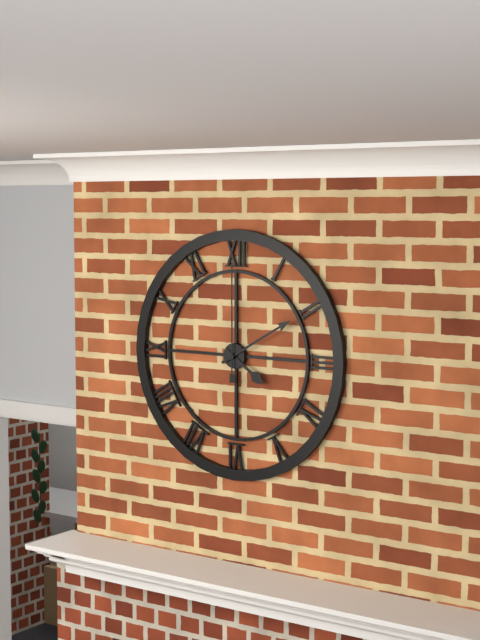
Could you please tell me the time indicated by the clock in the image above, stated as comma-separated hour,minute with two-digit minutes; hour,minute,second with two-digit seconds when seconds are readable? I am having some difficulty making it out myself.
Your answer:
4,10,00
